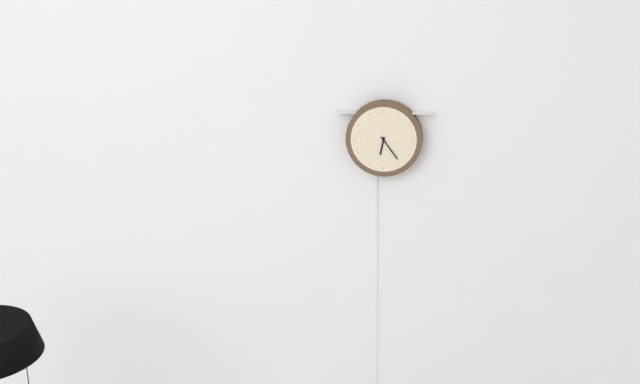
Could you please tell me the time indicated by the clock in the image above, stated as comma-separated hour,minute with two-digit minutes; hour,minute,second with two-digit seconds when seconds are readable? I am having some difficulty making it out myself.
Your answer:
6,24
